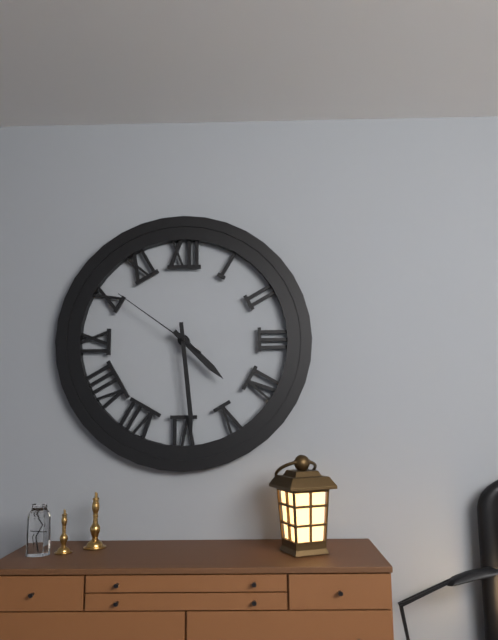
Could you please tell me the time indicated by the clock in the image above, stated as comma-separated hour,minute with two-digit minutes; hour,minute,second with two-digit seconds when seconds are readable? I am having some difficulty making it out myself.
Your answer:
4,29,51
